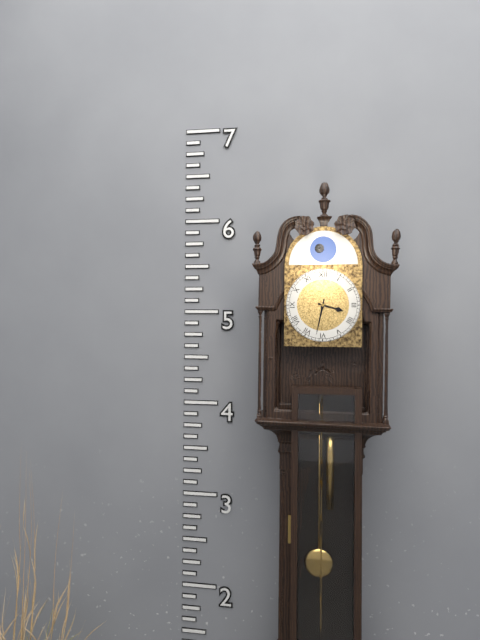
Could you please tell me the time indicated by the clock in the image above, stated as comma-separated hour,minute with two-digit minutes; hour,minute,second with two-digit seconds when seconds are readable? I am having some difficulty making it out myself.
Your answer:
3,32
